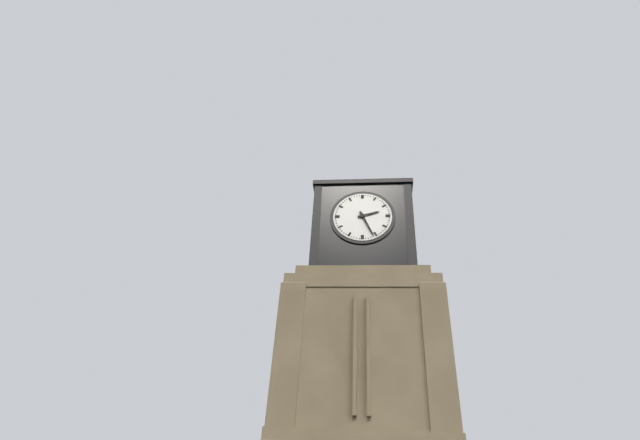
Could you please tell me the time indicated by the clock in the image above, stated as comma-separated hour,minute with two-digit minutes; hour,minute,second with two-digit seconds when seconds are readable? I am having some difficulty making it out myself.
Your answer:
2,26
